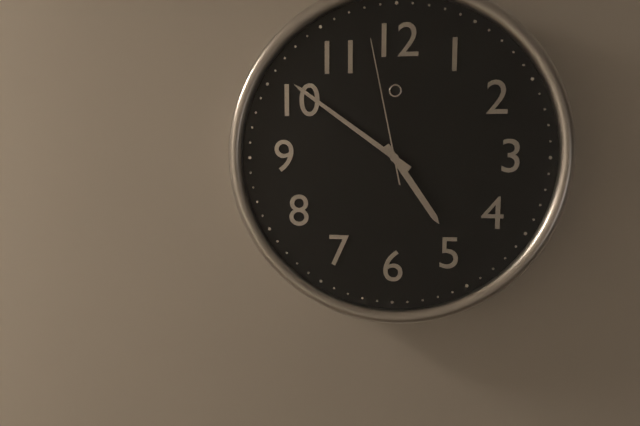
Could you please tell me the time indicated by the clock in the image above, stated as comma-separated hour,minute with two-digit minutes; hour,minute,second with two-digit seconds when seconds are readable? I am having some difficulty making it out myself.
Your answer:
4,51,58
